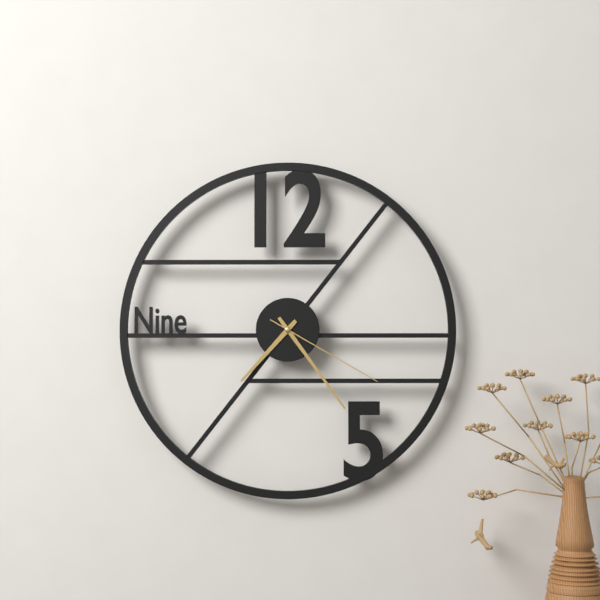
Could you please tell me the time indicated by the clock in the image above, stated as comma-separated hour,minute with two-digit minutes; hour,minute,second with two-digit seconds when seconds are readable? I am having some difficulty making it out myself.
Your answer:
7,24,20
